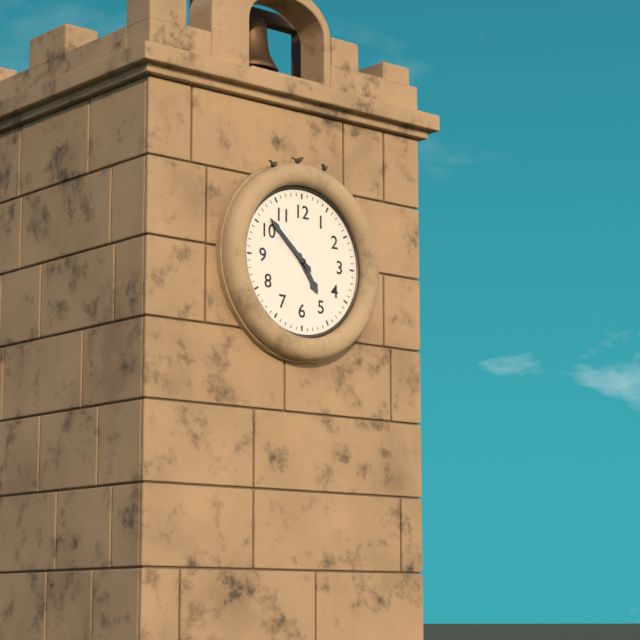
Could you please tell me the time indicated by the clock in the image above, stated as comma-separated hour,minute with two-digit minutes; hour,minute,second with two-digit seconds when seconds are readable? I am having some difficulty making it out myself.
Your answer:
4,52
